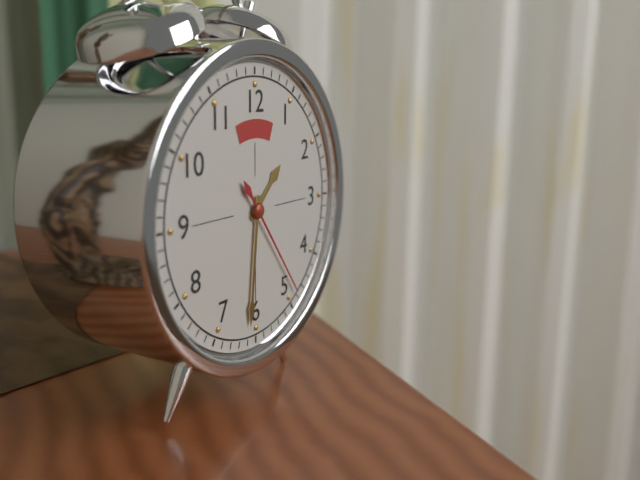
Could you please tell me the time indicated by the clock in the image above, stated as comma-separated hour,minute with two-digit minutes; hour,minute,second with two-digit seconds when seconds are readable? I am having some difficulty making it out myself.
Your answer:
1,31,24
